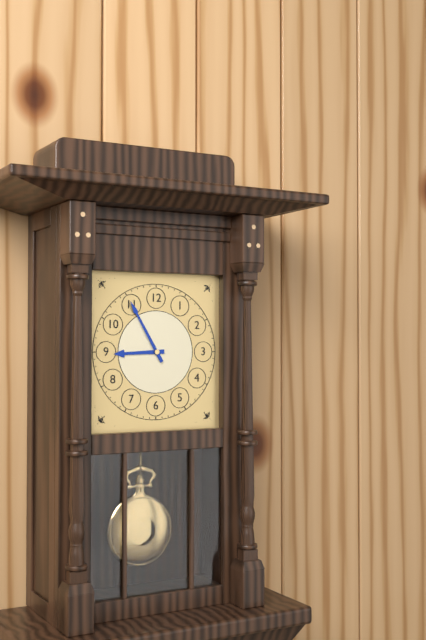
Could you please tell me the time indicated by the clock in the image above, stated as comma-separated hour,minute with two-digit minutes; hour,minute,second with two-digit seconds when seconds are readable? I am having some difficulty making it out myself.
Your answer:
8,55
